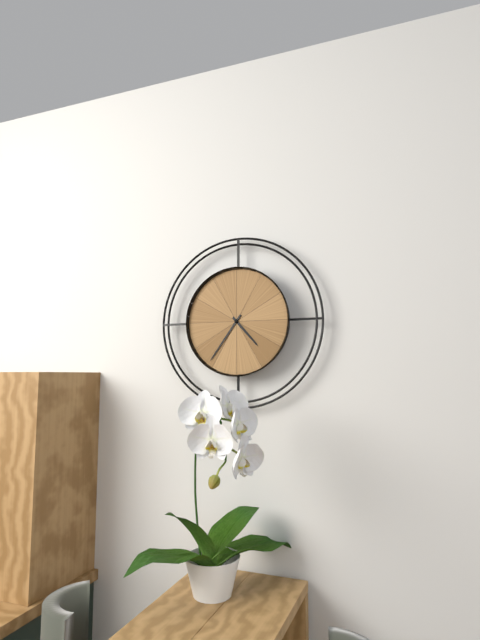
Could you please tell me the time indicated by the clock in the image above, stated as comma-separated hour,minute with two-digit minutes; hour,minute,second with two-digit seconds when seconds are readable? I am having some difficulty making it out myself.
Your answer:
4,36
